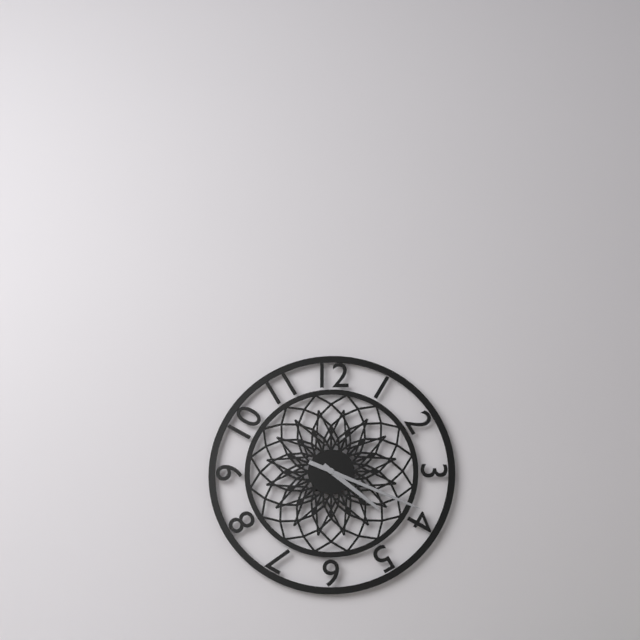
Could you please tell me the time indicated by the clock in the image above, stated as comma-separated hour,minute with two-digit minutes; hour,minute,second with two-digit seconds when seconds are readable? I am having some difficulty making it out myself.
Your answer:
4,19
